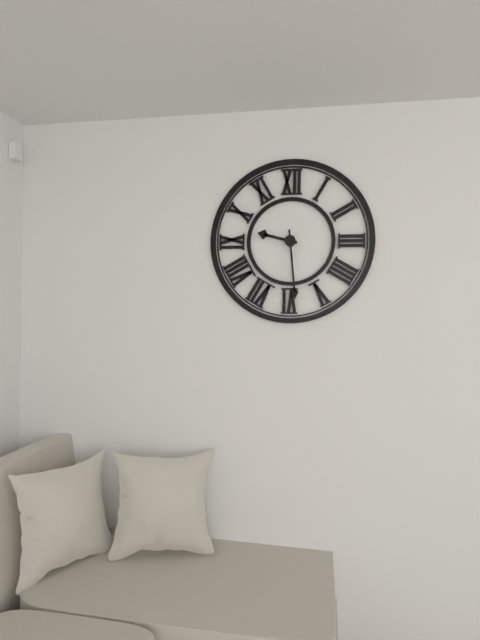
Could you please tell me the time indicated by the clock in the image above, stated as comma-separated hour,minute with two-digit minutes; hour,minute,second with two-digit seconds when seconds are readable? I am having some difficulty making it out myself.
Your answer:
9,29
